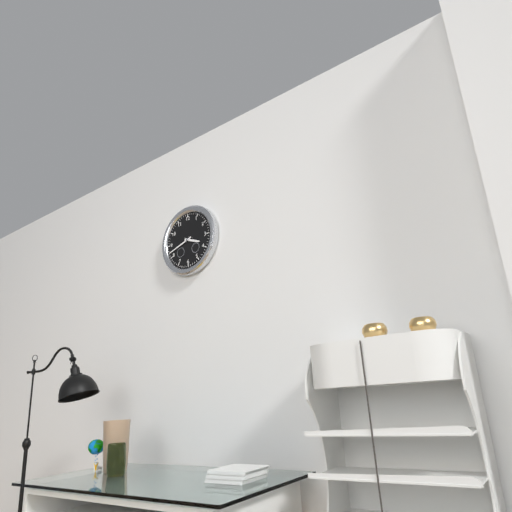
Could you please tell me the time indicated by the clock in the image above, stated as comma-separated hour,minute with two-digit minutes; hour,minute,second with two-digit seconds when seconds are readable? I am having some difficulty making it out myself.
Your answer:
3,42
